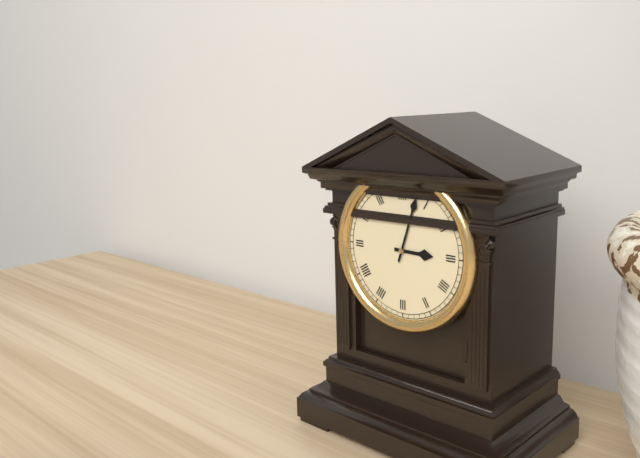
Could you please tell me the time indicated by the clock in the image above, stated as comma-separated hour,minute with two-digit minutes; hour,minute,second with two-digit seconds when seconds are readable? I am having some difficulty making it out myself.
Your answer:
3,03
